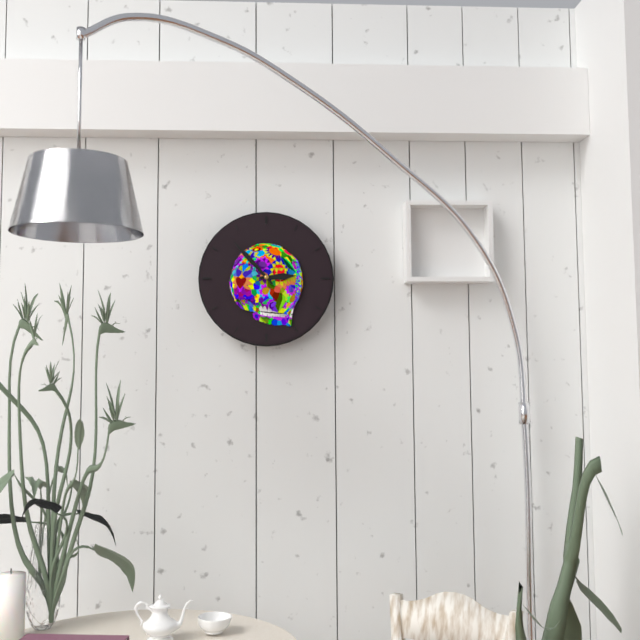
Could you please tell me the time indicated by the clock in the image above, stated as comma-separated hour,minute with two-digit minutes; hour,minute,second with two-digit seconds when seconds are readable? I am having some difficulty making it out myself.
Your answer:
2,53
